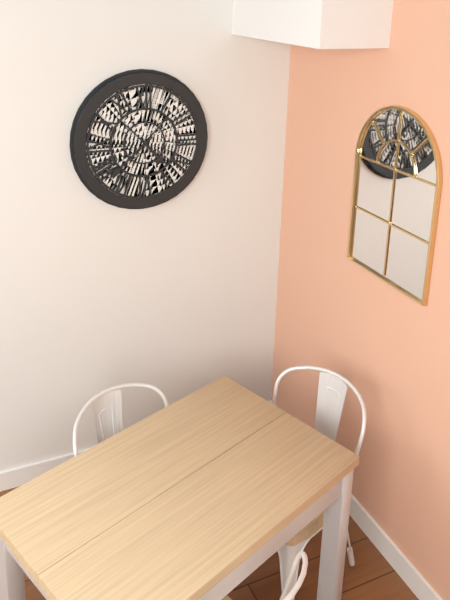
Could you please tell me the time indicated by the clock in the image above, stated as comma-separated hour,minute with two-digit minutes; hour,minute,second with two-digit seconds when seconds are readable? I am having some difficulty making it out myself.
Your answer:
4,38
